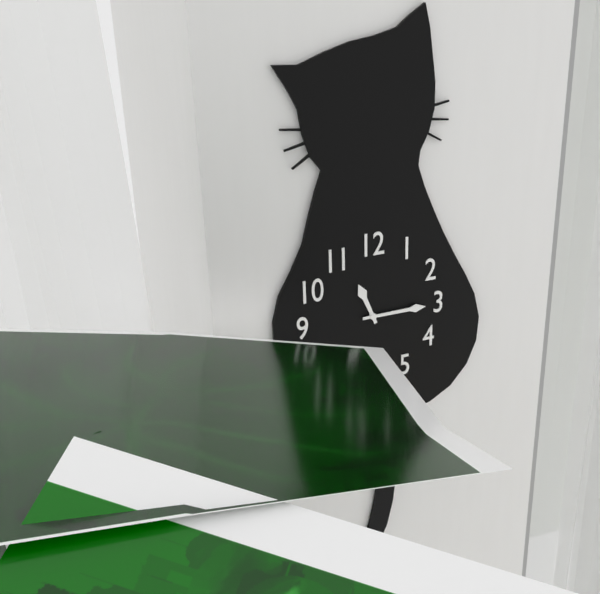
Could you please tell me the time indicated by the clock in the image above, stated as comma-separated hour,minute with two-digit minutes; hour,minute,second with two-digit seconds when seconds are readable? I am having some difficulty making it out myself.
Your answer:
11,15
